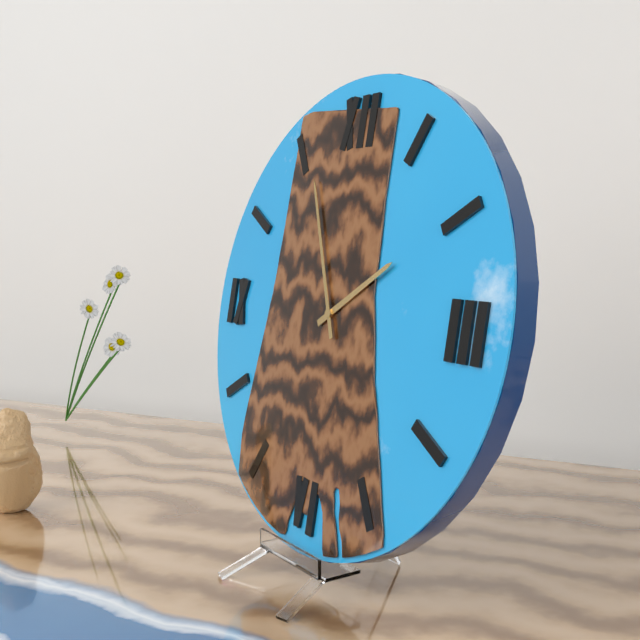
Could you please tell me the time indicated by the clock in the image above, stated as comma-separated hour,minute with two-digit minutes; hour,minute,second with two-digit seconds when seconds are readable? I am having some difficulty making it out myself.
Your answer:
1,56
